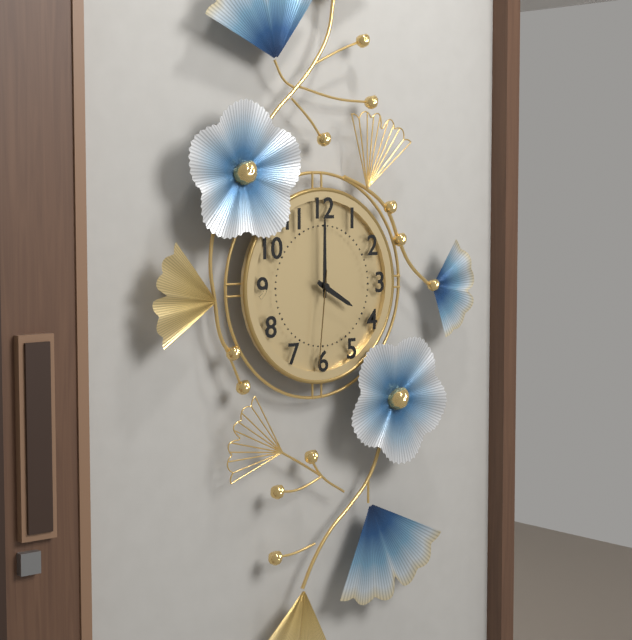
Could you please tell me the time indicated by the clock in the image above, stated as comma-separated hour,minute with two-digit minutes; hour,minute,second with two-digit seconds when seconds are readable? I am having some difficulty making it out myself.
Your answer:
4,00,31
